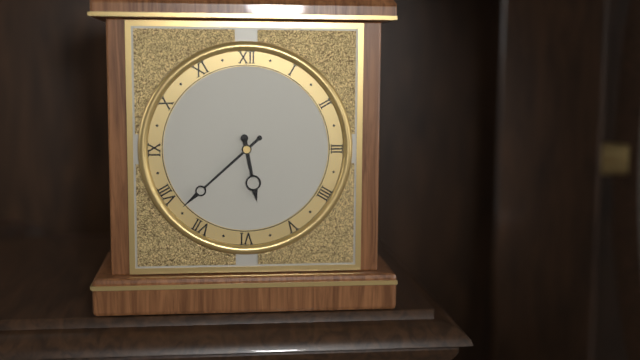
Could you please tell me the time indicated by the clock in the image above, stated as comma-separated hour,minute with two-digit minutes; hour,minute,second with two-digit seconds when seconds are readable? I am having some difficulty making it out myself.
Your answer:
5,38
